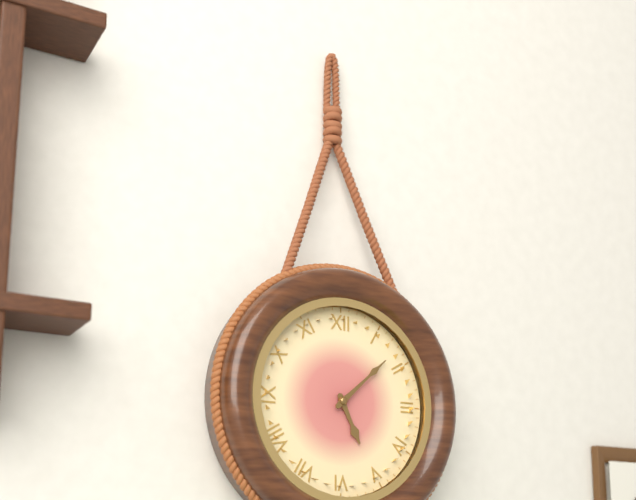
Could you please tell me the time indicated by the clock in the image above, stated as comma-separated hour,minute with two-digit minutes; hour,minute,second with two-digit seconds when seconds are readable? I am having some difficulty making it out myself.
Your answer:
5,08
